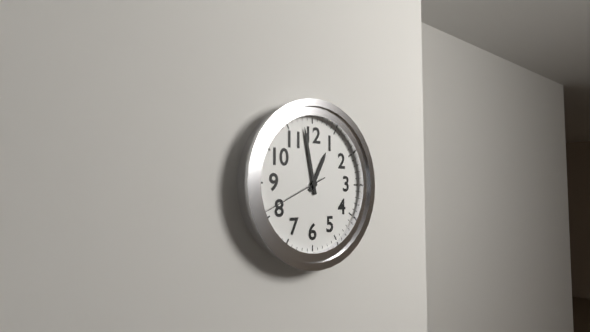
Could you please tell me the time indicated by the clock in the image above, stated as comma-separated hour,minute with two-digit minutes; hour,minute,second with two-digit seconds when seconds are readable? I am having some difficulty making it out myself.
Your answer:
12,58,41
